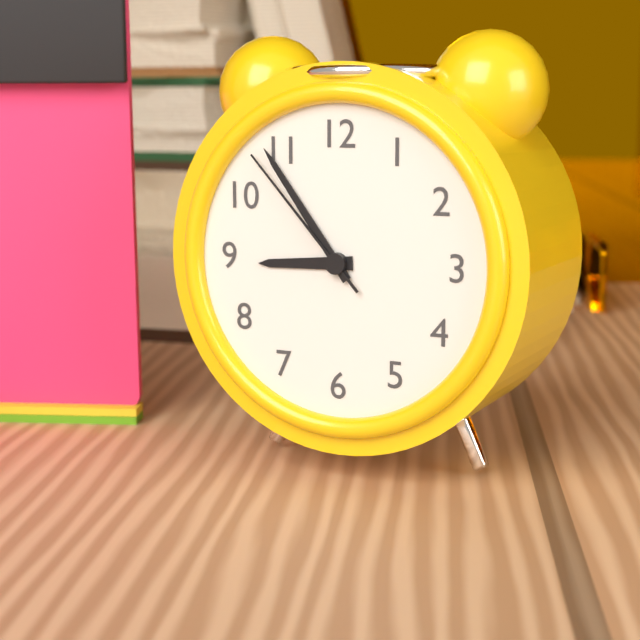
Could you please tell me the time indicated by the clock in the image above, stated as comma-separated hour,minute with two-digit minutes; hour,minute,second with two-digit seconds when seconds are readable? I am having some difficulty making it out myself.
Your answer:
8,54,53
